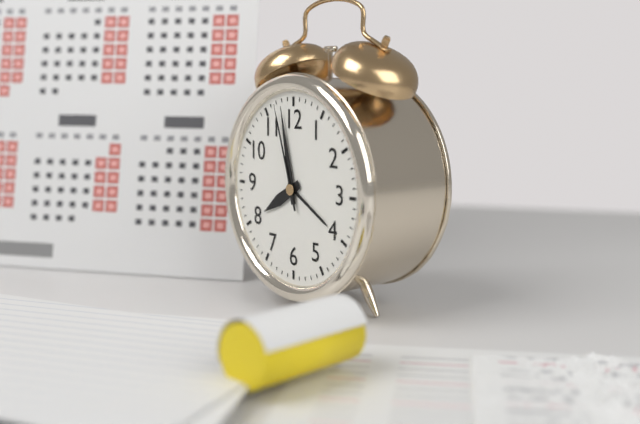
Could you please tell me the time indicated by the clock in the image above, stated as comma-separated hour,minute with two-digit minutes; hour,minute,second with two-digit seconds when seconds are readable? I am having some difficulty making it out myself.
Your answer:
7,58,57
